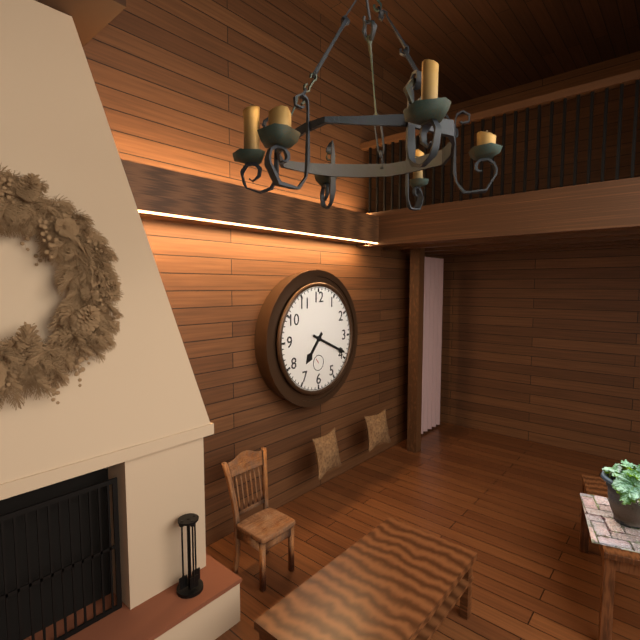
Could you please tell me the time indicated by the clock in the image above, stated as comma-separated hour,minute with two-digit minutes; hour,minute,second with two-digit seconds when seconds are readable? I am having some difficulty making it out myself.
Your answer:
7,19
